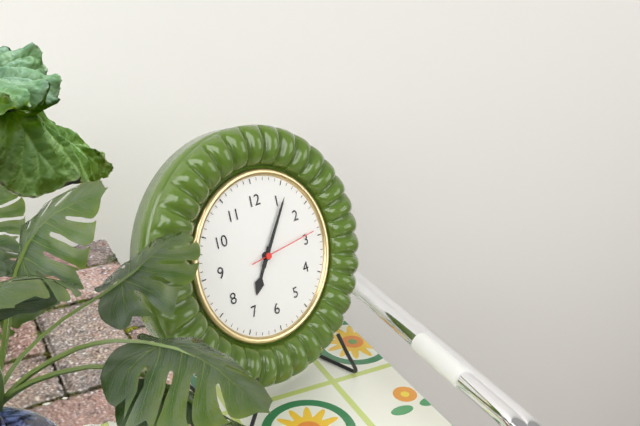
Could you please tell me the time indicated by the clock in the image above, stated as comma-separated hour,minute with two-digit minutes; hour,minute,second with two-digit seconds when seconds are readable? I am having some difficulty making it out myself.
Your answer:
7,06,14
